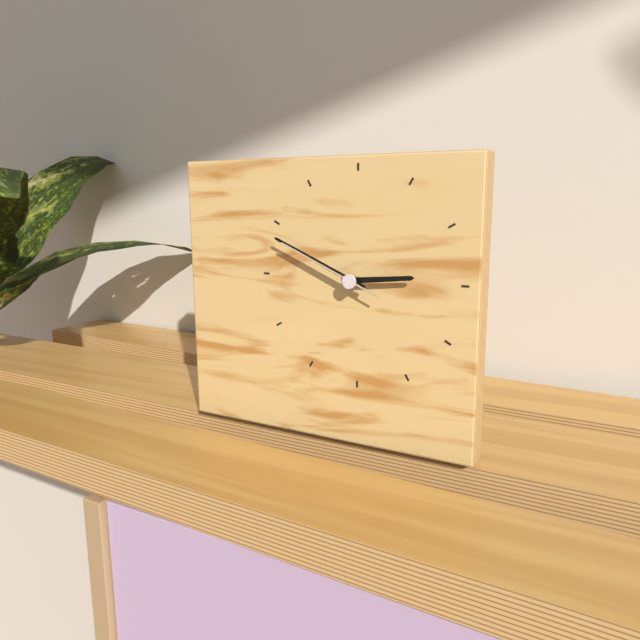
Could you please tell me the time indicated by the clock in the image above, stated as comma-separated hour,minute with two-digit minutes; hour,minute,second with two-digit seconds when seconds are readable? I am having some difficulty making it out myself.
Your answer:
2,49,49
